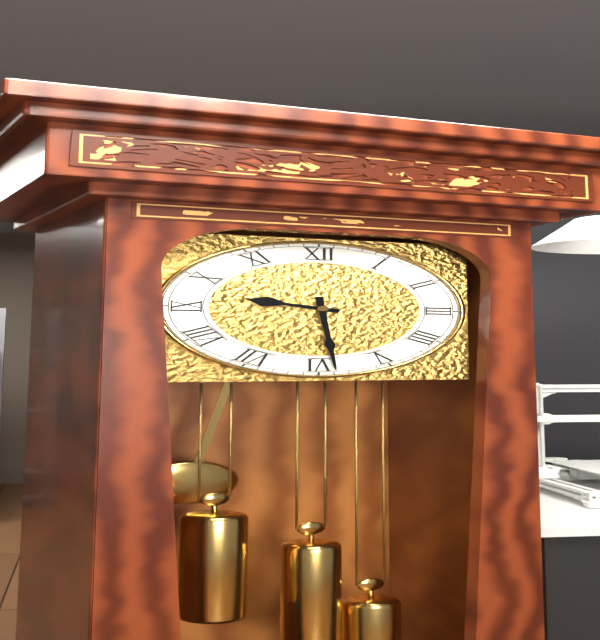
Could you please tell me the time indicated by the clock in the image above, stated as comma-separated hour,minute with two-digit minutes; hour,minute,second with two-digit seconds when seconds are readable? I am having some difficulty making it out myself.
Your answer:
9,29
